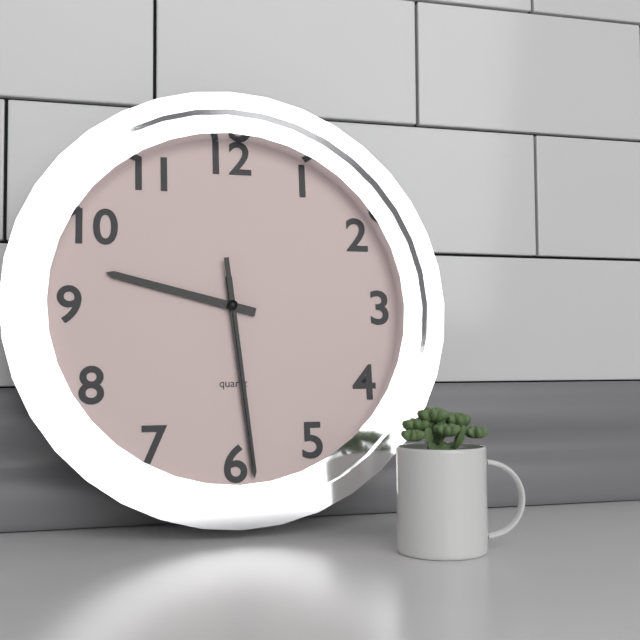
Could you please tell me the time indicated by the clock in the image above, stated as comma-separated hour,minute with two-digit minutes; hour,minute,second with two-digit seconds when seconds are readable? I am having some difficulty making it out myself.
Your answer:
9,29,29
